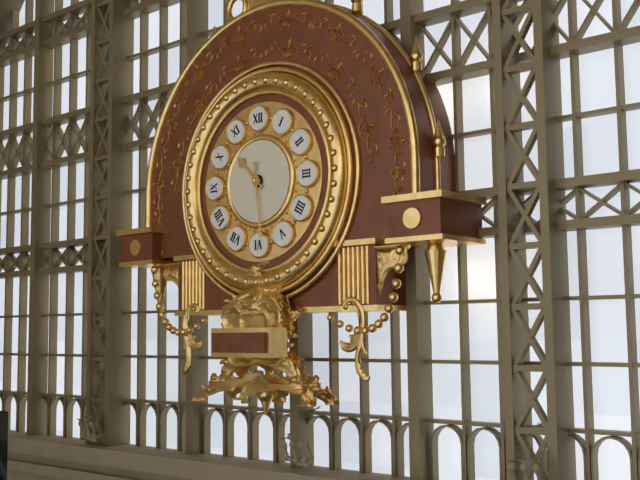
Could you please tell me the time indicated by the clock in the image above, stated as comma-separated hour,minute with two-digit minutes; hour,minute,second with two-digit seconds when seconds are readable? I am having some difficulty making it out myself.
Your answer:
10,29
